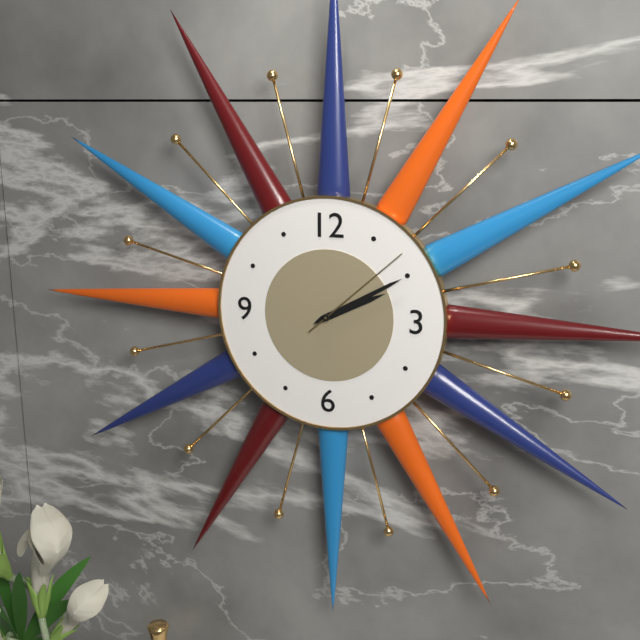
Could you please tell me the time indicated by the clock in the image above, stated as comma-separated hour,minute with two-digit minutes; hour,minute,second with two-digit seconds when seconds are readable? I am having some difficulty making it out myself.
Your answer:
2,10,08
